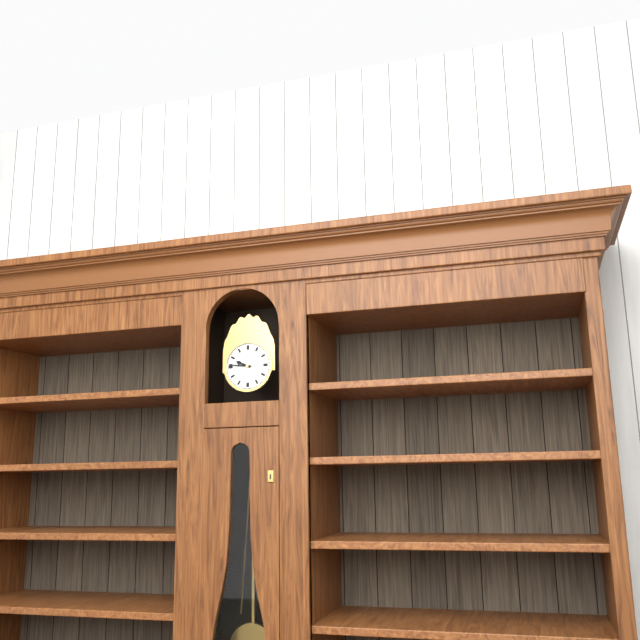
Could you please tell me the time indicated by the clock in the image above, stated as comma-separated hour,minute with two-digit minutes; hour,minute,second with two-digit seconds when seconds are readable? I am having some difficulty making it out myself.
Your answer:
9,46
